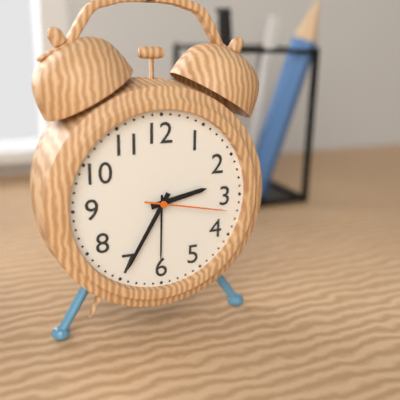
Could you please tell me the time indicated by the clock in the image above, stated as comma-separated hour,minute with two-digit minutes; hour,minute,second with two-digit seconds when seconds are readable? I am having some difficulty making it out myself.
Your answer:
2,35,17
